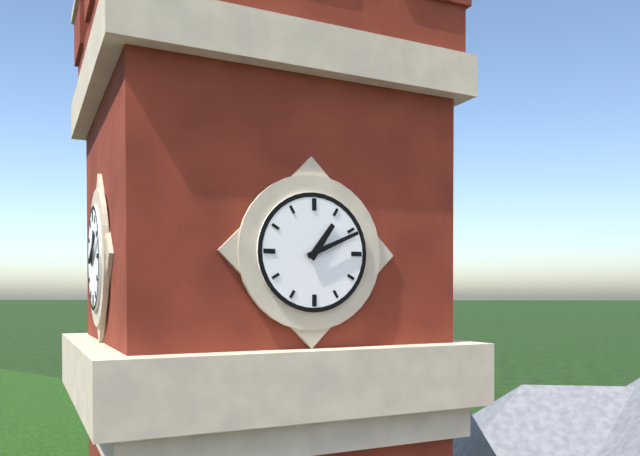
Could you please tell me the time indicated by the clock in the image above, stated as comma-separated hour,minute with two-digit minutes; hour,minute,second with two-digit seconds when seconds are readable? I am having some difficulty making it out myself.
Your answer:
1,11
